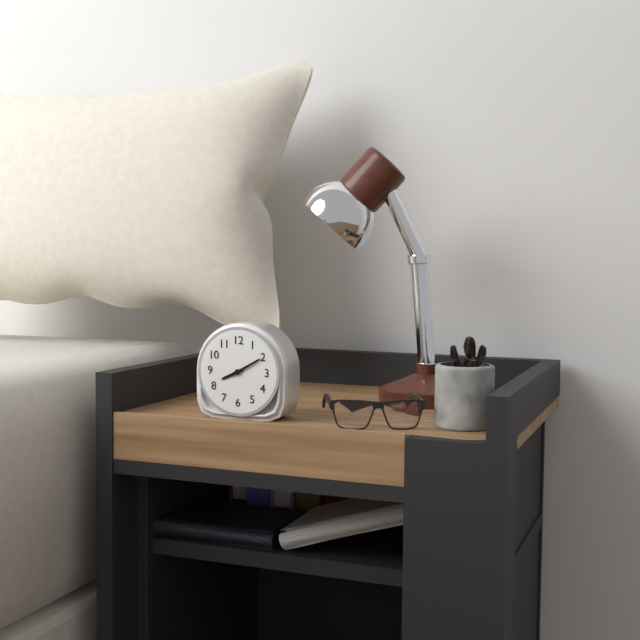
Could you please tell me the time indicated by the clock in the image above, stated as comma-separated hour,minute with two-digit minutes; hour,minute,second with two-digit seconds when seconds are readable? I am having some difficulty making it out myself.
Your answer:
8,10
